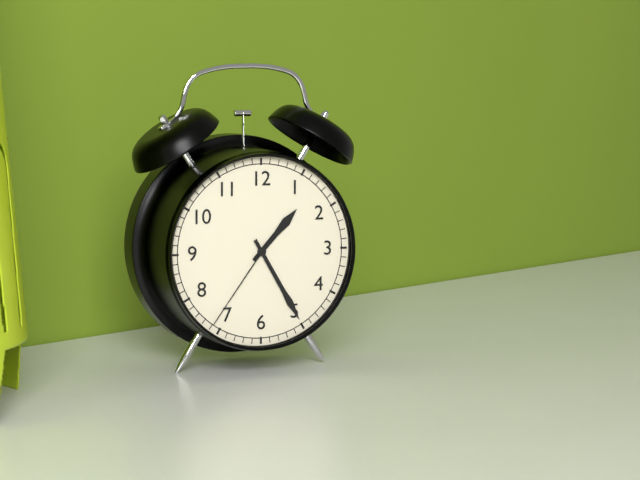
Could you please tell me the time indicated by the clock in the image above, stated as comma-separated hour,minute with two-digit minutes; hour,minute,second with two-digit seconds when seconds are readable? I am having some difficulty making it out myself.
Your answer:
1,25,36
